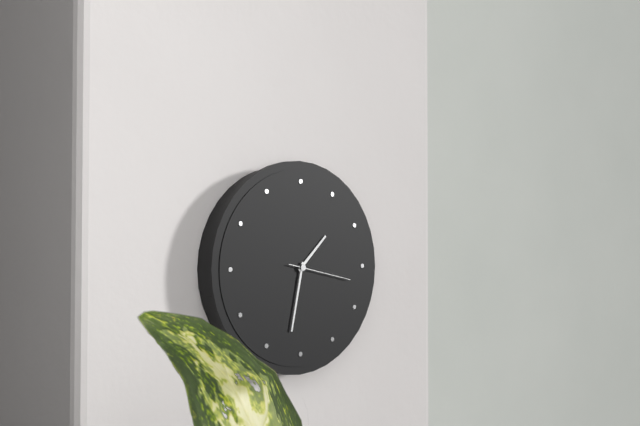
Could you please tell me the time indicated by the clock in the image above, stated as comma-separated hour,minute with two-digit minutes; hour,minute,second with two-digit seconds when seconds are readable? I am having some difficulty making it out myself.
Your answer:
1,32,17
